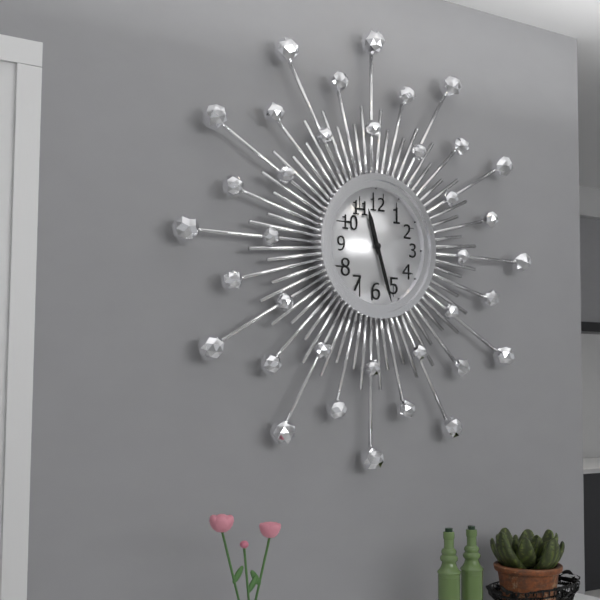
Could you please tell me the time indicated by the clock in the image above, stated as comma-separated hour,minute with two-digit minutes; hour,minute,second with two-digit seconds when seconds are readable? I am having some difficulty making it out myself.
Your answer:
11,27
